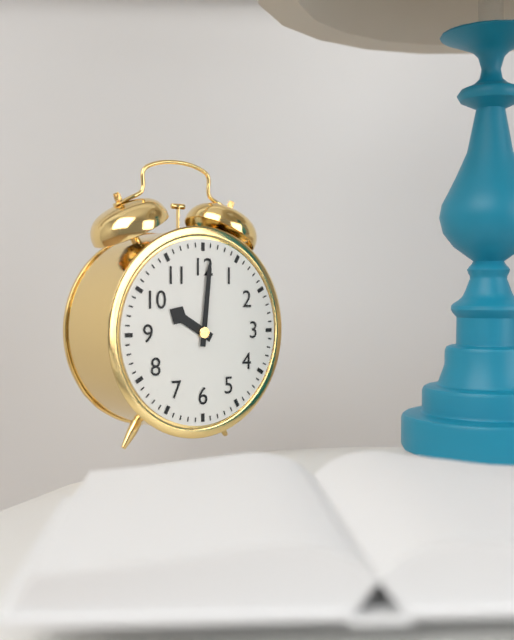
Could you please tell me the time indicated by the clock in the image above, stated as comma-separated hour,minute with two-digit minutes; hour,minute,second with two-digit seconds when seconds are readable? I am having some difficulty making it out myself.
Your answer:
10,01
